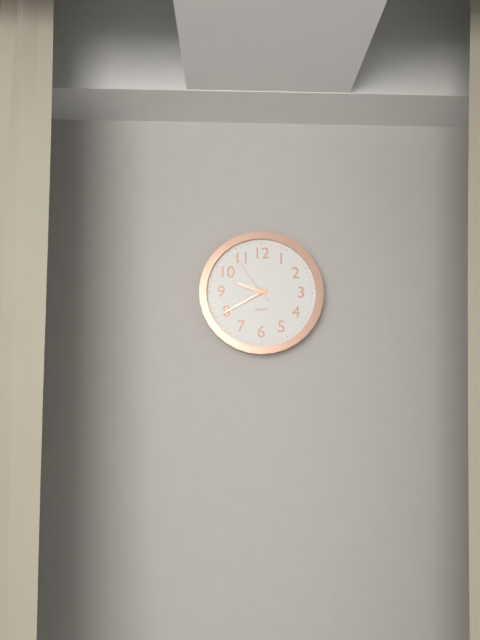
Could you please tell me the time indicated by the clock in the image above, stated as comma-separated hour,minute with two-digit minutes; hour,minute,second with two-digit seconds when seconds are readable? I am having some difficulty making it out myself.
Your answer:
9,40,54
